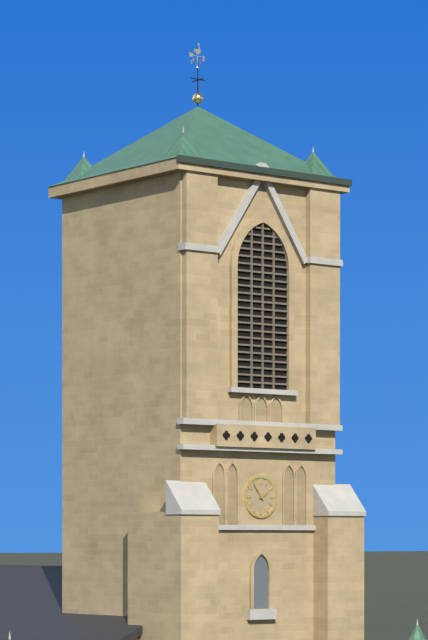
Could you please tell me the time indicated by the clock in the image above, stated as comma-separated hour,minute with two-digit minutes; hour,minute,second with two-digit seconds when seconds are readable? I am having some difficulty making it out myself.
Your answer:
1,54
